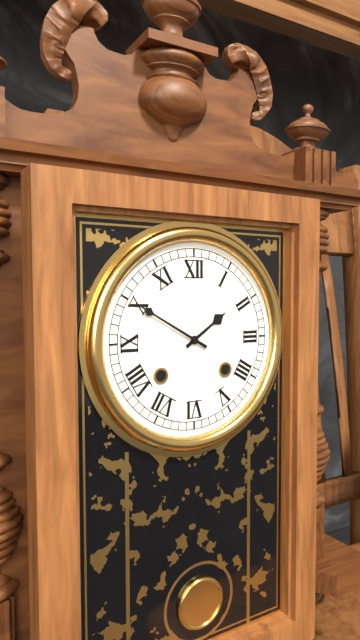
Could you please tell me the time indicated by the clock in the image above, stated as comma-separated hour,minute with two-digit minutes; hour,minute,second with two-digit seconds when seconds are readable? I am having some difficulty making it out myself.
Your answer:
1,50
